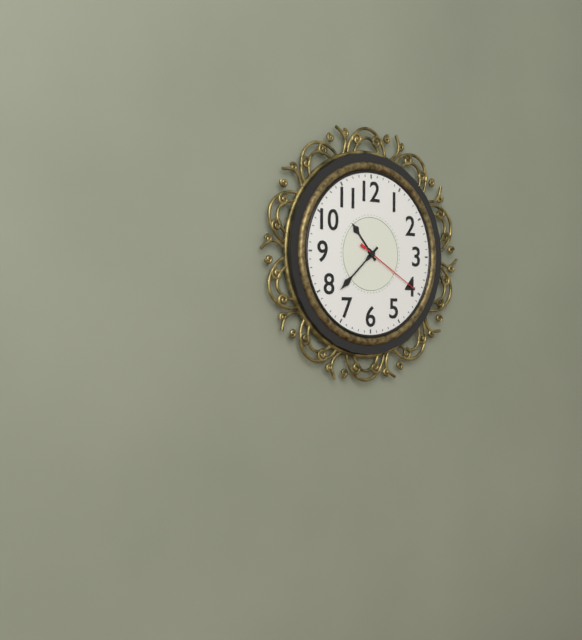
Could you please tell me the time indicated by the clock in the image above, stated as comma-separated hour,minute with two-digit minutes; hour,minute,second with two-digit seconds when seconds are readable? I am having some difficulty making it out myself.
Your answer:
10,38,20
